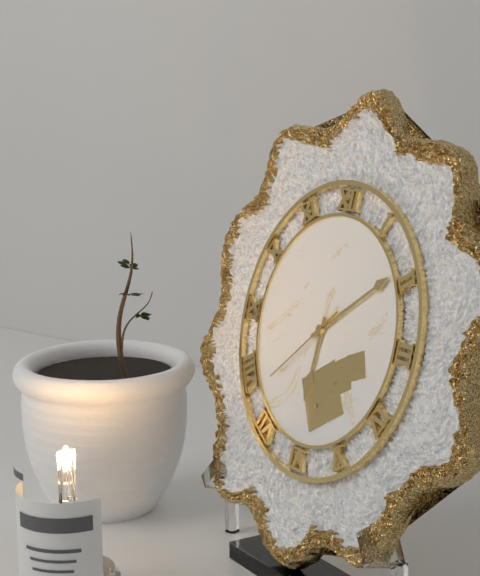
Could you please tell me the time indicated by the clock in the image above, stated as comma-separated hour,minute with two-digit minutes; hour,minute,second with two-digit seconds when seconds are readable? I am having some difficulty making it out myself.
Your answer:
6,09,38
